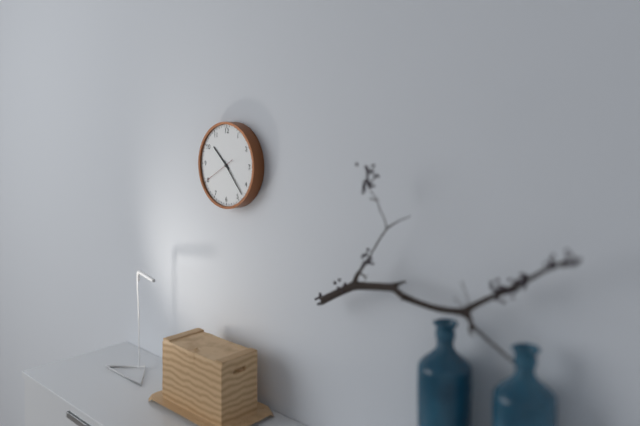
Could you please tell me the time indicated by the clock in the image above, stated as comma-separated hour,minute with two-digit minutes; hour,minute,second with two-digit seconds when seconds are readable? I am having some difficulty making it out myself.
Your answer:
10,23
